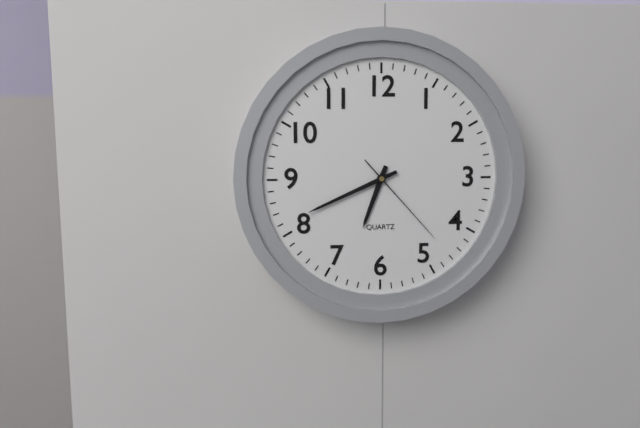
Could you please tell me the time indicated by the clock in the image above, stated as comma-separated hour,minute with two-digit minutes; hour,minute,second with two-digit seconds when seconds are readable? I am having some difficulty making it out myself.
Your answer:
6,41,23
